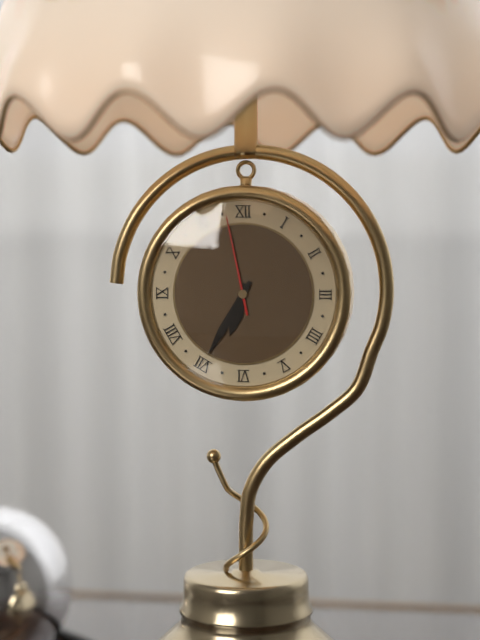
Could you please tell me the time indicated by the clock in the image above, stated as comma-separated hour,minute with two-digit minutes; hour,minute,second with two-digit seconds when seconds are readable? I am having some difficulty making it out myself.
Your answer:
6,35,58
